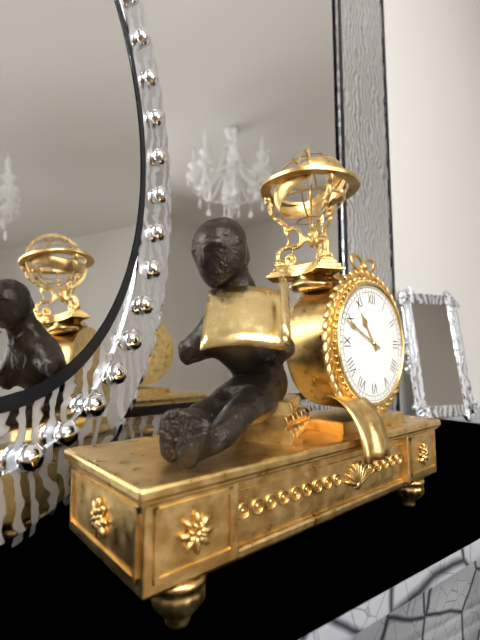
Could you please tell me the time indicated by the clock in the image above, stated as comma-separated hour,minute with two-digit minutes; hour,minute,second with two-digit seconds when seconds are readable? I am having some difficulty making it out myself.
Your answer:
10,49
